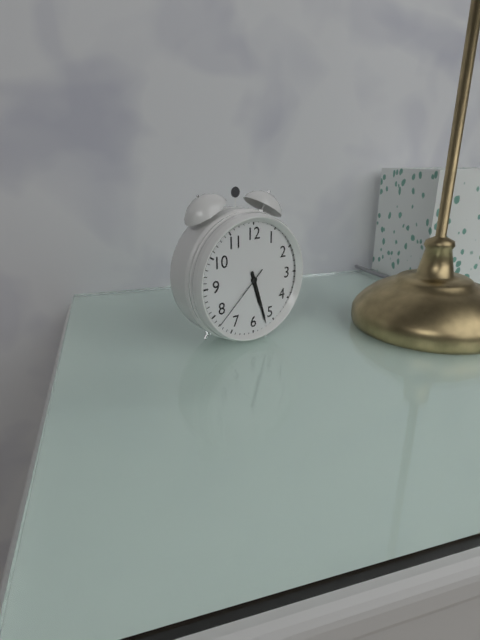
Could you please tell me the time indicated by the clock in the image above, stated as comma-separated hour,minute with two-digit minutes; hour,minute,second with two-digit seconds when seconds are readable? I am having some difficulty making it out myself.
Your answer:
5,27,38
